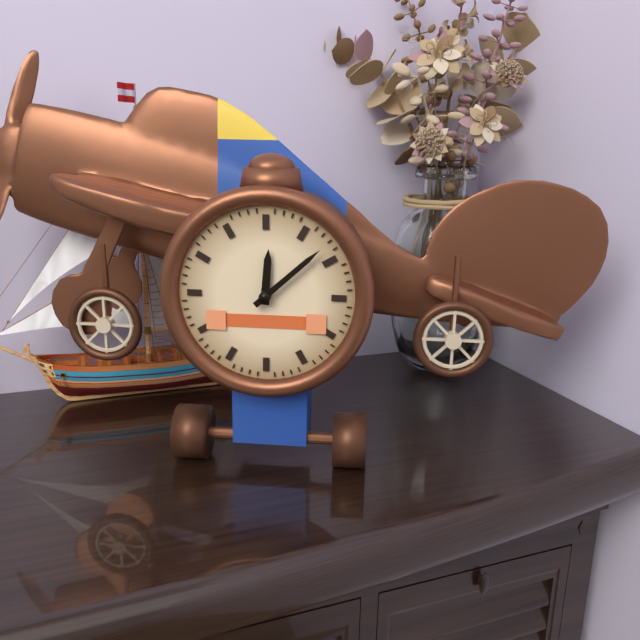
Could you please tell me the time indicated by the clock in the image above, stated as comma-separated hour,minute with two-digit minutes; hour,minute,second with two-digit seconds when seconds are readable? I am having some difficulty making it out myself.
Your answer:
12,08
